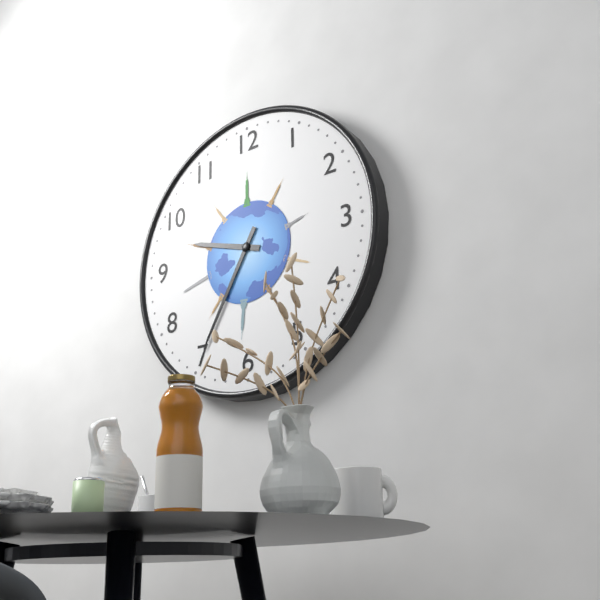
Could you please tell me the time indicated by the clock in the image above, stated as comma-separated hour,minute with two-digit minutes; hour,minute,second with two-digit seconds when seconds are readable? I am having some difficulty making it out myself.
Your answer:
9,35
